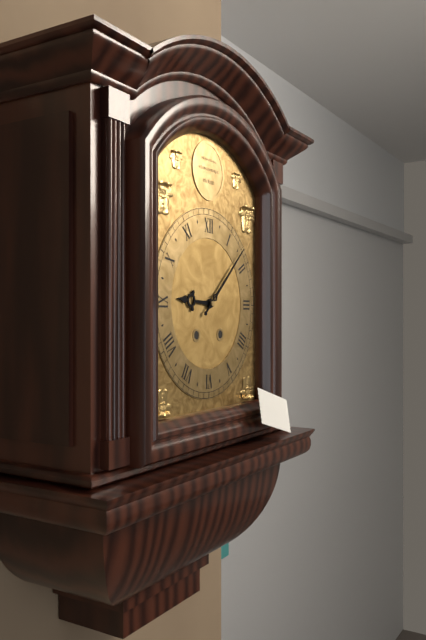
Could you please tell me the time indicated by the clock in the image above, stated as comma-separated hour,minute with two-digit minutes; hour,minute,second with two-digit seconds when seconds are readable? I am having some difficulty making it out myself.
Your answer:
9,08
